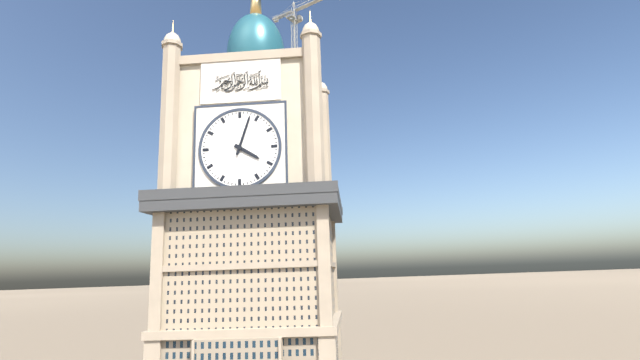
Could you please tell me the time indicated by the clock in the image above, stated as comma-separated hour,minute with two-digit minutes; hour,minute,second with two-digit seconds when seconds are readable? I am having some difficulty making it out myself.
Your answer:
4,03
